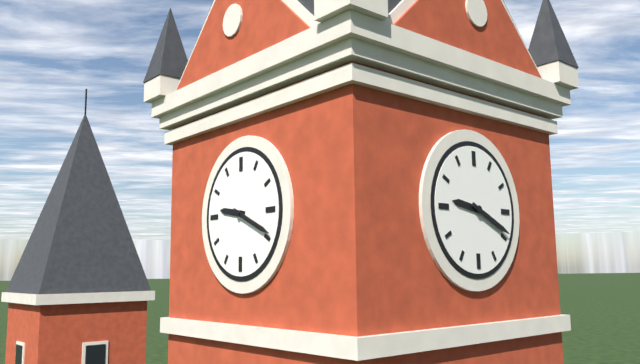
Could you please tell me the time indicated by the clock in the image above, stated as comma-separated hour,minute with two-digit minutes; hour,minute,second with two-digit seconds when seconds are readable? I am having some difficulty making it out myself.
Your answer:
9,19
